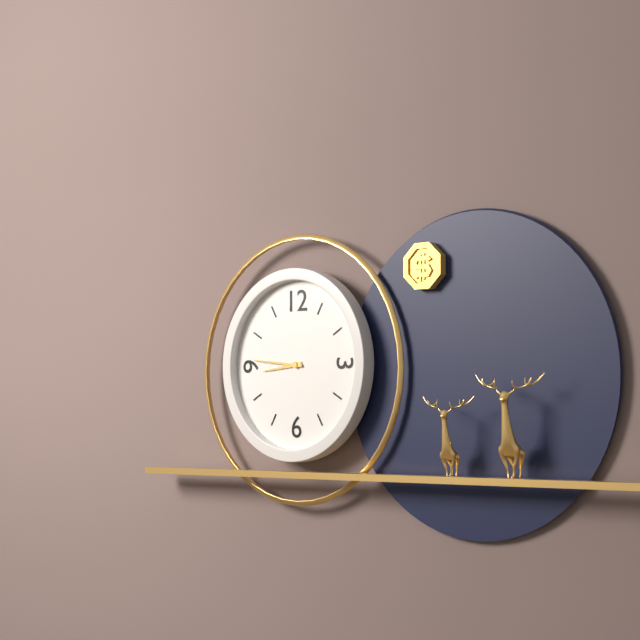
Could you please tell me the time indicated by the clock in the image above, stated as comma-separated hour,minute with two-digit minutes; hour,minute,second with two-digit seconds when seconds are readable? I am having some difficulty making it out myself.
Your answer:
8,46
